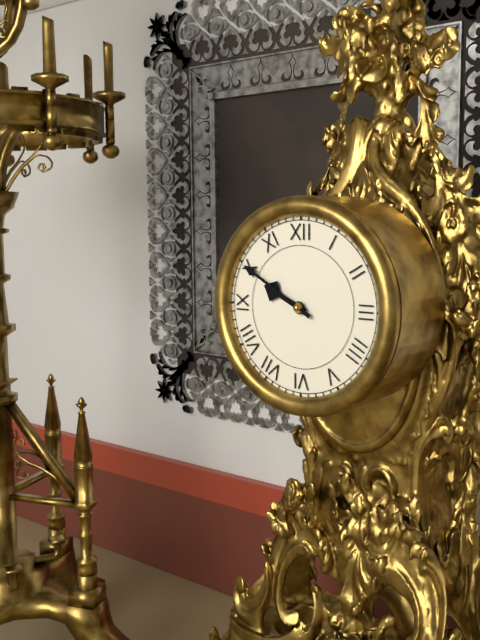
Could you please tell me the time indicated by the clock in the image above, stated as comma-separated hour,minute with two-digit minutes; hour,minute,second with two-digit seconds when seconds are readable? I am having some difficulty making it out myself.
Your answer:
9,50
